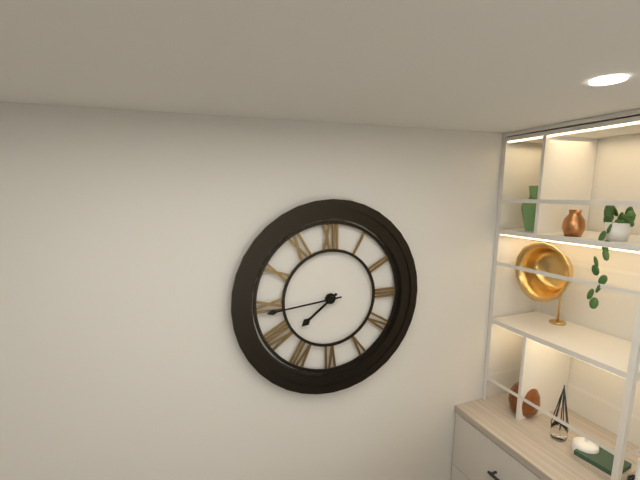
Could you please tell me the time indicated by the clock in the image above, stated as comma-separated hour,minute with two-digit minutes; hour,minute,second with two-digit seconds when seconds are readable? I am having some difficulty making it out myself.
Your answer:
7,44
